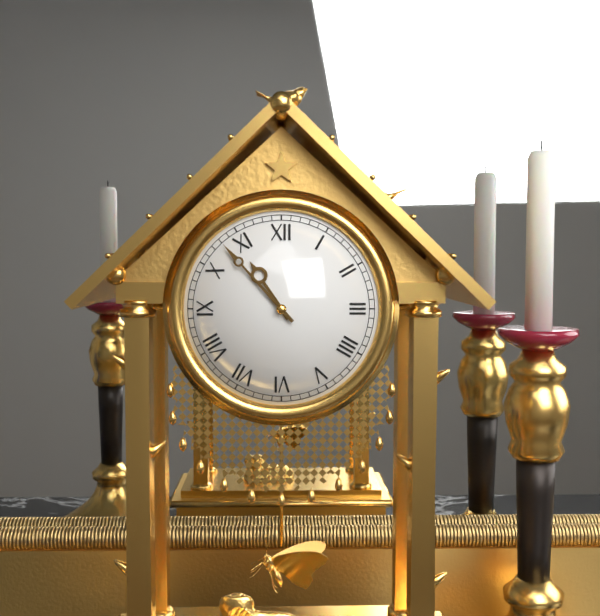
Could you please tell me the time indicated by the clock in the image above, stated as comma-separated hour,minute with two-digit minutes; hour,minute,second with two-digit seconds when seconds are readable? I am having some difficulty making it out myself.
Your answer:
10,53
